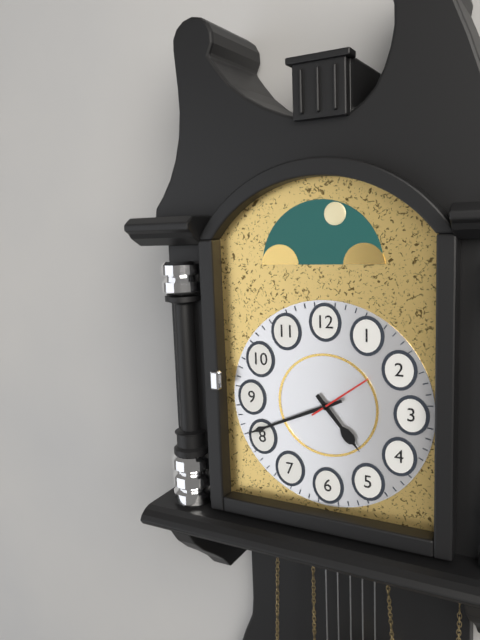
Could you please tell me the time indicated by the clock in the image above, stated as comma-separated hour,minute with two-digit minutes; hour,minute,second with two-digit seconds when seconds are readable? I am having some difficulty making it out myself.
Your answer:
4,41,09
